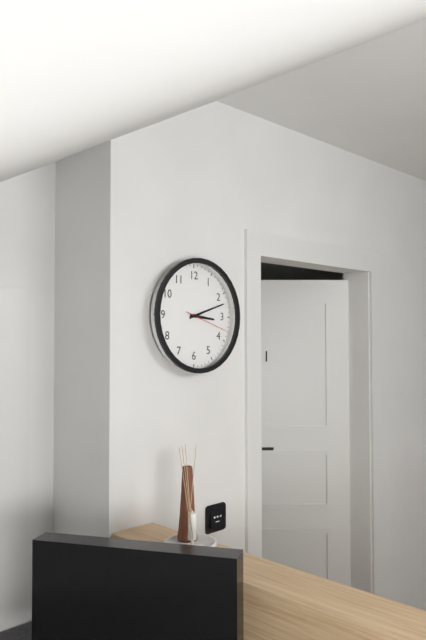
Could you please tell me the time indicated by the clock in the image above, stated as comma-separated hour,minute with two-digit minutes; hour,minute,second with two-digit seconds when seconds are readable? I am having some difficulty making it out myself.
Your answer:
3,12
